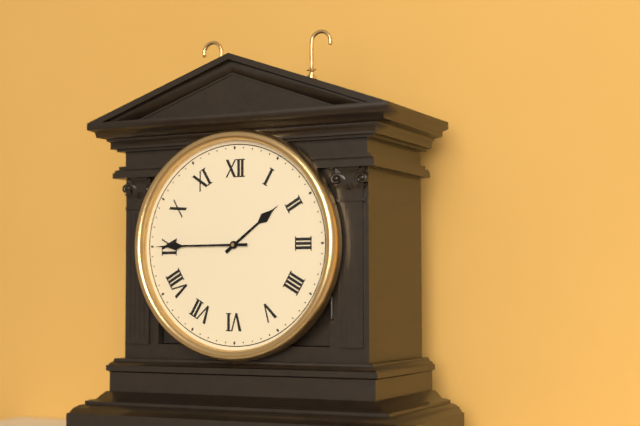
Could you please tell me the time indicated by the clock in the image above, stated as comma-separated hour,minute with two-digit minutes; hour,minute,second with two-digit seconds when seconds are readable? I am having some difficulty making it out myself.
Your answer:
1,45
